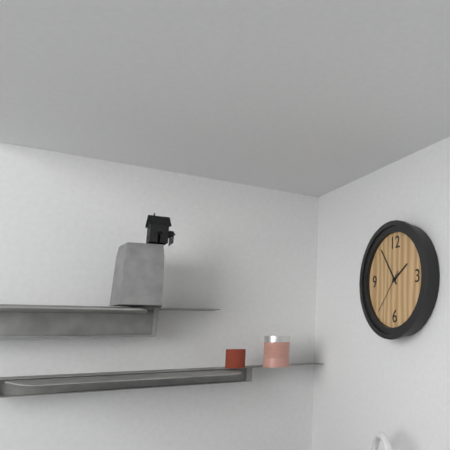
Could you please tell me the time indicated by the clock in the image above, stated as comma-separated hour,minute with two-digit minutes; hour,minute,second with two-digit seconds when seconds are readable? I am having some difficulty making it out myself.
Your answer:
1,54
